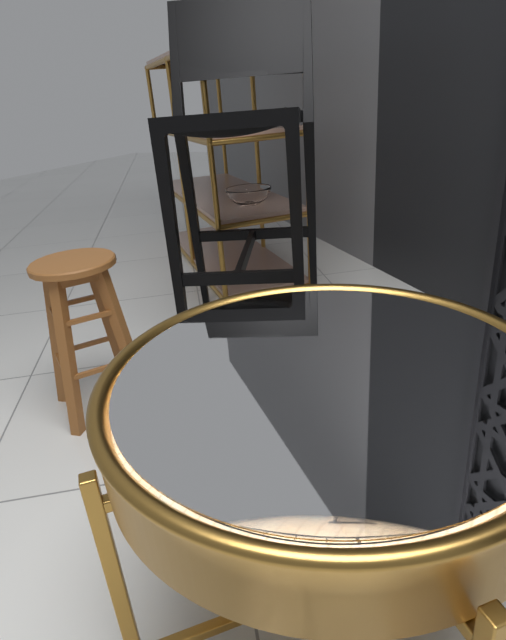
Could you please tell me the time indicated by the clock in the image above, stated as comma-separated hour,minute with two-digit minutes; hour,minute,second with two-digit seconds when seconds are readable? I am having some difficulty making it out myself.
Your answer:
4,01
